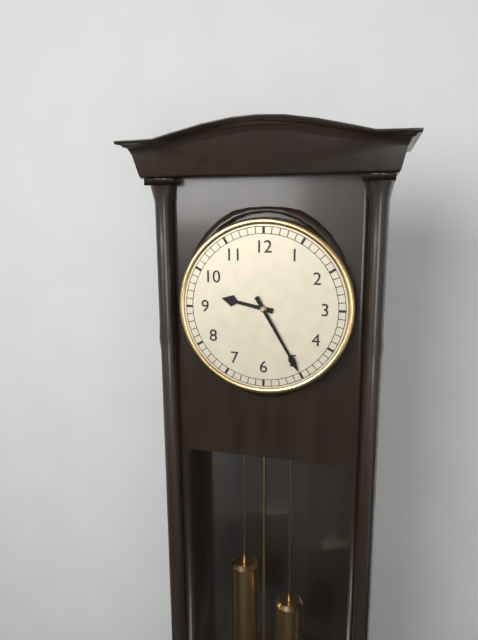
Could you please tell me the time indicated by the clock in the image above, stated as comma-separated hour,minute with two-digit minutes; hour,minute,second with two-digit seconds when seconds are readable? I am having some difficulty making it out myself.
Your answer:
9,25
